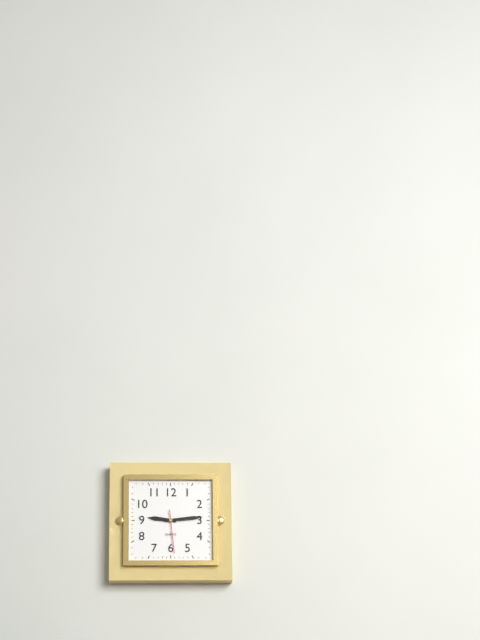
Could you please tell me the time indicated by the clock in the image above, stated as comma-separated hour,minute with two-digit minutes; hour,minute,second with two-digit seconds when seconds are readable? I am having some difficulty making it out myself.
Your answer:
9,14
